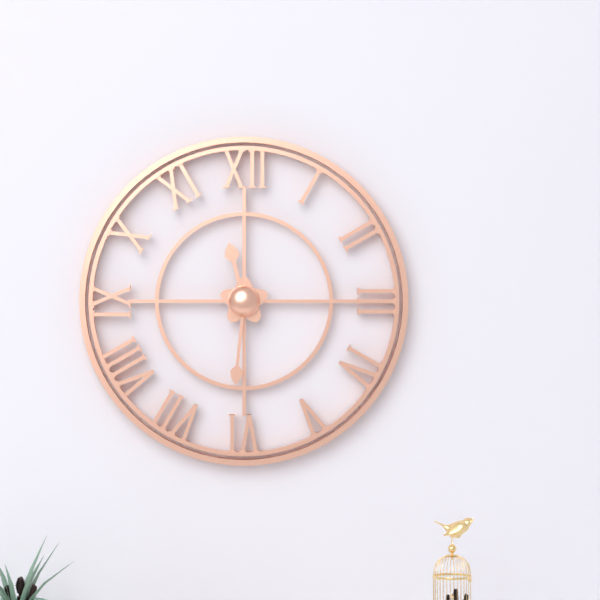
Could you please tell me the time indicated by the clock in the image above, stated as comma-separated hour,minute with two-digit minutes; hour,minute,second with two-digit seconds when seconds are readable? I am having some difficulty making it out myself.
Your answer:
11,31
